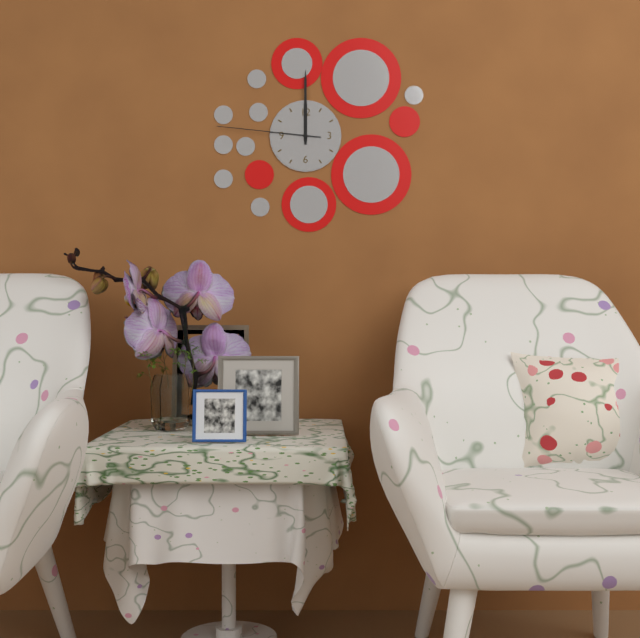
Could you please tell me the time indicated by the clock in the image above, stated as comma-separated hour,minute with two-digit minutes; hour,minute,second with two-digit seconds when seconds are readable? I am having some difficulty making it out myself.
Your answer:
12,00,46
